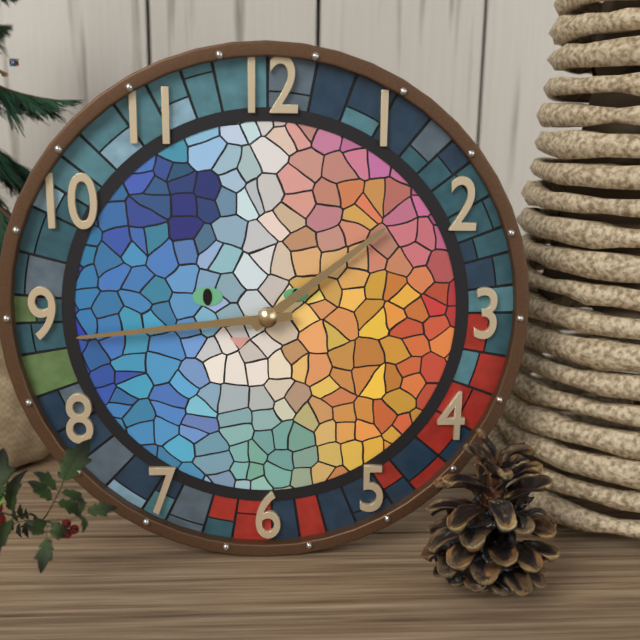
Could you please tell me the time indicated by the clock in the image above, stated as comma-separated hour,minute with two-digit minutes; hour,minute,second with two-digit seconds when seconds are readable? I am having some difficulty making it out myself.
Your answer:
1,44
